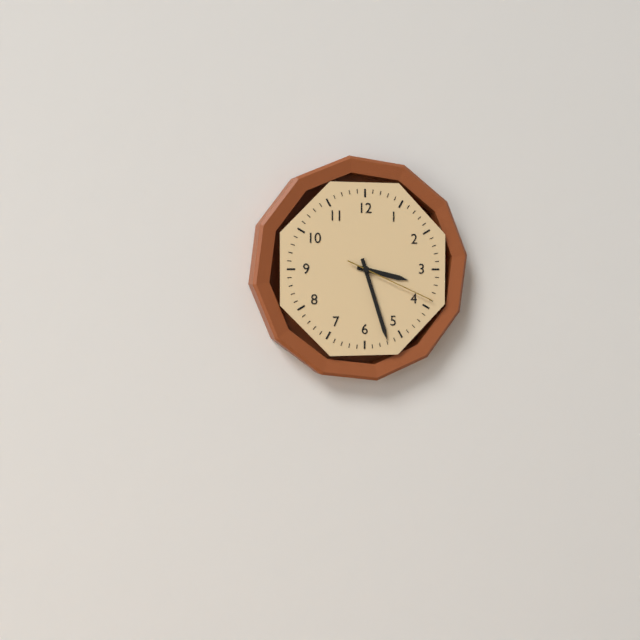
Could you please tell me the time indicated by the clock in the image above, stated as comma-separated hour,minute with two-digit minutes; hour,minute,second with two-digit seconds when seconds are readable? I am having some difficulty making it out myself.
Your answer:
3,27,19
